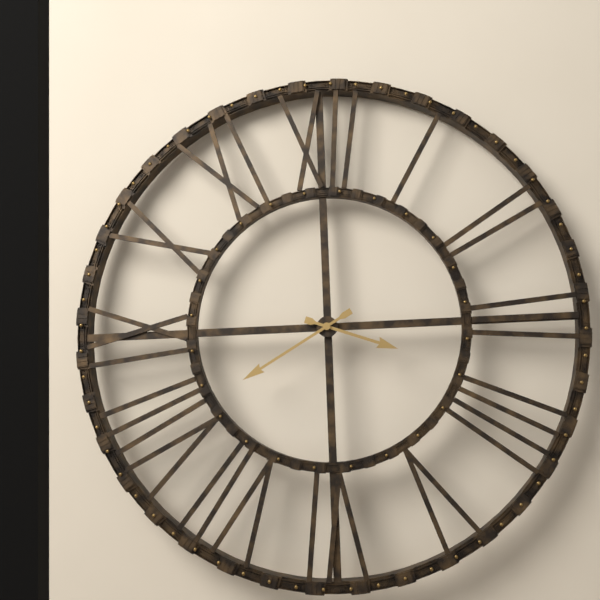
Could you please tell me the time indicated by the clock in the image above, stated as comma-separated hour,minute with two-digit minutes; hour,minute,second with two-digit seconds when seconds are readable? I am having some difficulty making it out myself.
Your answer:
3,40
